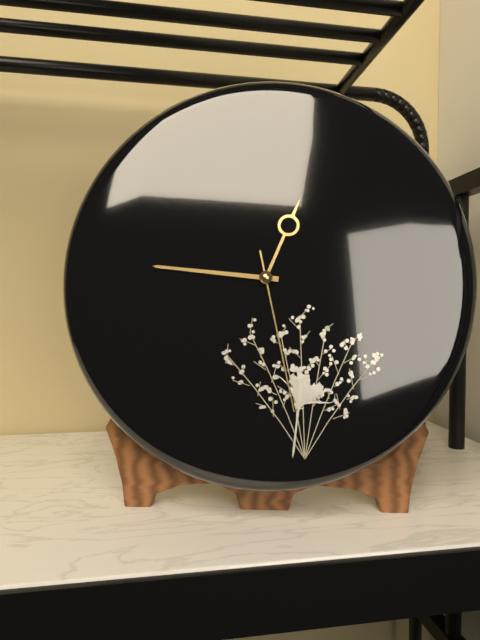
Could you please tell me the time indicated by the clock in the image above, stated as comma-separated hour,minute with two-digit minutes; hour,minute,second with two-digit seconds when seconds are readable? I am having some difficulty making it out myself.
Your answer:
12,46,28
